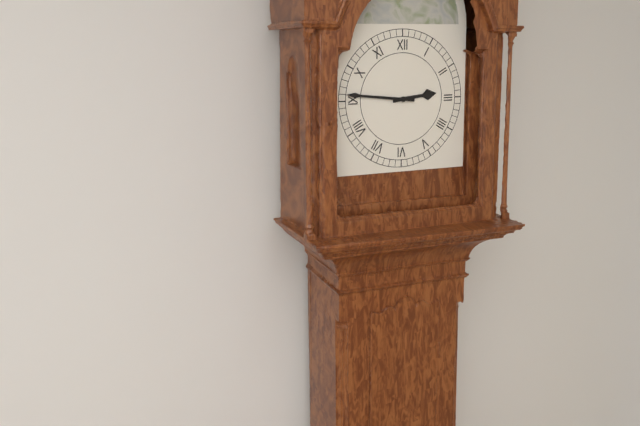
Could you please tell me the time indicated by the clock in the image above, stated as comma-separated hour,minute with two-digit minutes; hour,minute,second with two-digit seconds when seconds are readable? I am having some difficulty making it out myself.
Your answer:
2,46
